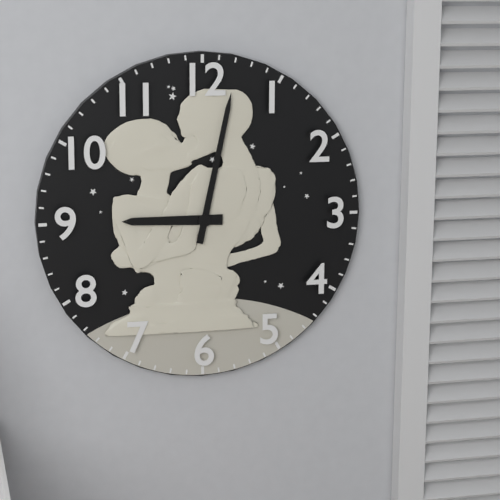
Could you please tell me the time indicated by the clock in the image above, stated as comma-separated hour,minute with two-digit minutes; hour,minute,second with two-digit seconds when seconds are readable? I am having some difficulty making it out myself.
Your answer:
9,02
